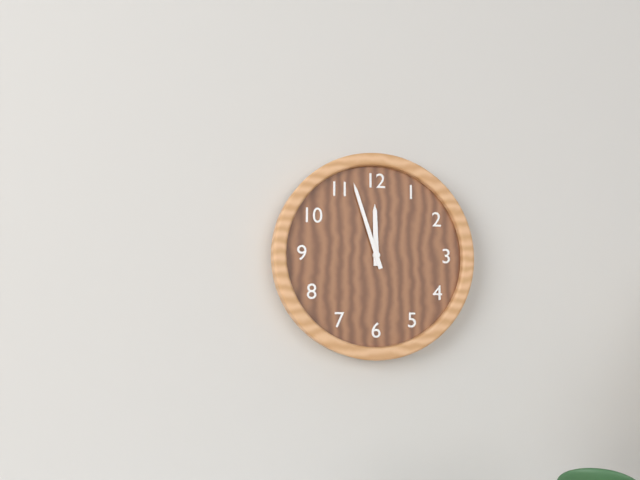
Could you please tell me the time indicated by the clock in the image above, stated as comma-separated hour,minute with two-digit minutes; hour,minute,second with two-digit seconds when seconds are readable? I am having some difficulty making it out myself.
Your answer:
11,57
